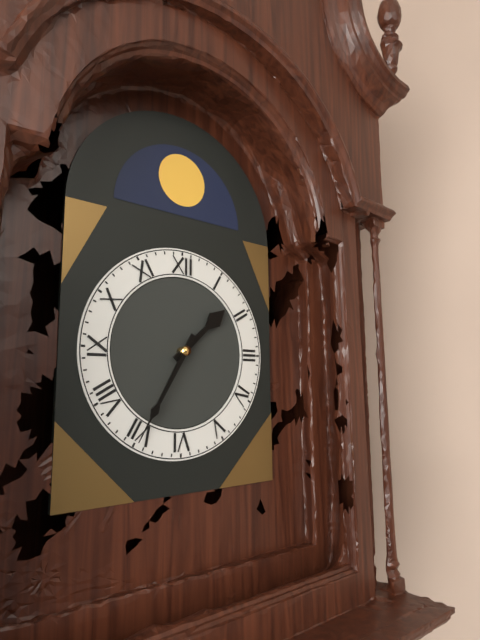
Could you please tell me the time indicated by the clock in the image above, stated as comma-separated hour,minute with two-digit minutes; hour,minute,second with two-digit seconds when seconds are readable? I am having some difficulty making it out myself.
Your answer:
1,35
